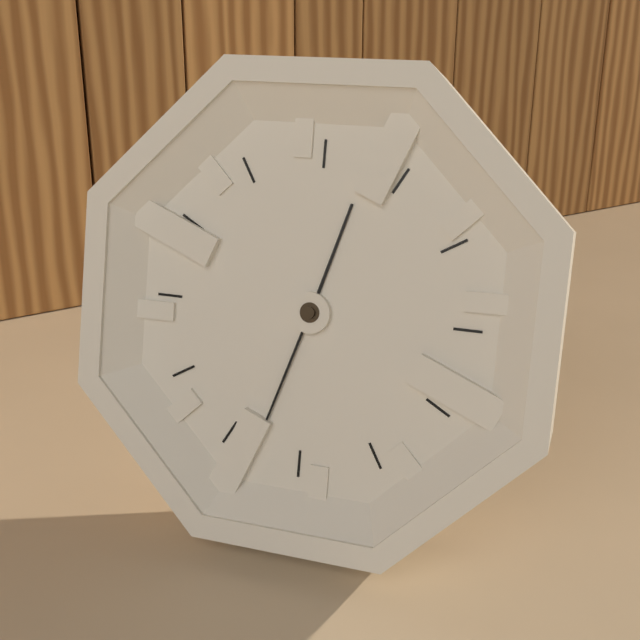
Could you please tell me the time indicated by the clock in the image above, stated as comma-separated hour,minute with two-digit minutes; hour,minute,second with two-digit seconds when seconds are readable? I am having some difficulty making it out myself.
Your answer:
12,33
